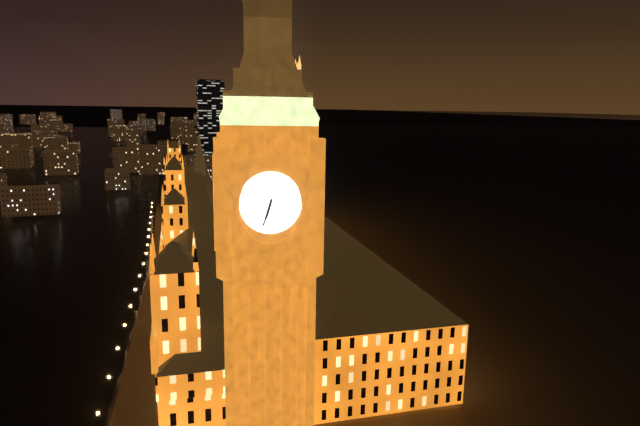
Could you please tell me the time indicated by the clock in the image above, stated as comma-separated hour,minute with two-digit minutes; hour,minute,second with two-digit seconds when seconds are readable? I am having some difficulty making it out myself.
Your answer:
6,33
